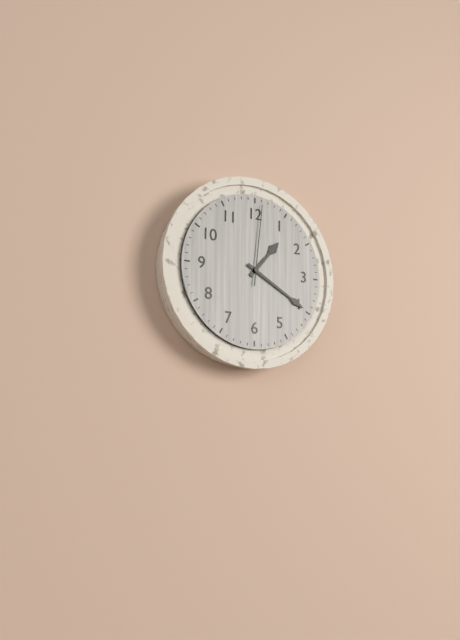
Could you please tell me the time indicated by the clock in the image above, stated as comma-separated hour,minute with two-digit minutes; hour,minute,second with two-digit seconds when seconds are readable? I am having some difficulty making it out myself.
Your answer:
1,20,01
